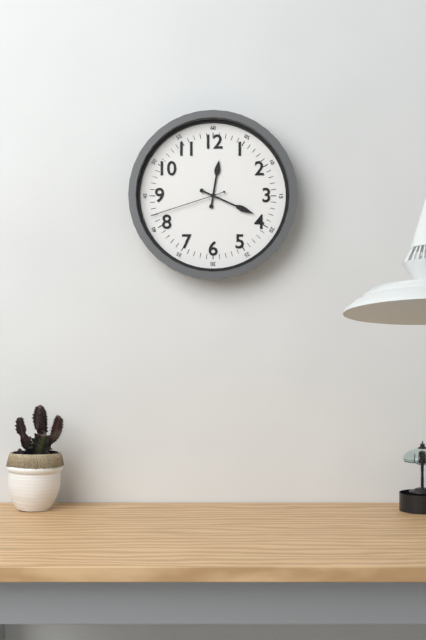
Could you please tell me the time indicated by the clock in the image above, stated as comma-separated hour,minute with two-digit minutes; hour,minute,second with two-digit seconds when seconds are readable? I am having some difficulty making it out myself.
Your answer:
12,19,42
